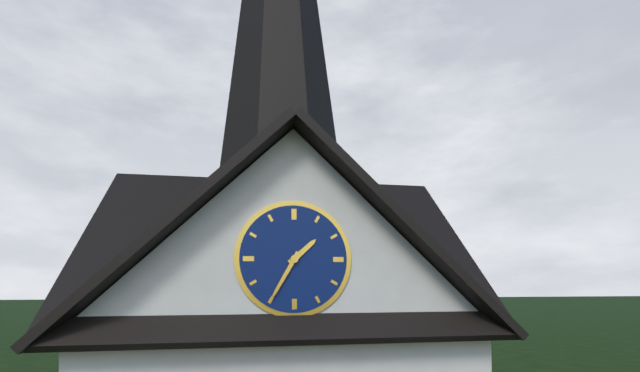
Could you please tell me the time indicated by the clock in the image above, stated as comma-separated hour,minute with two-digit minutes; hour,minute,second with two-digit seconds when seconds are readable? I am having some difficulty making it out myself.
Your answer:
1,35
